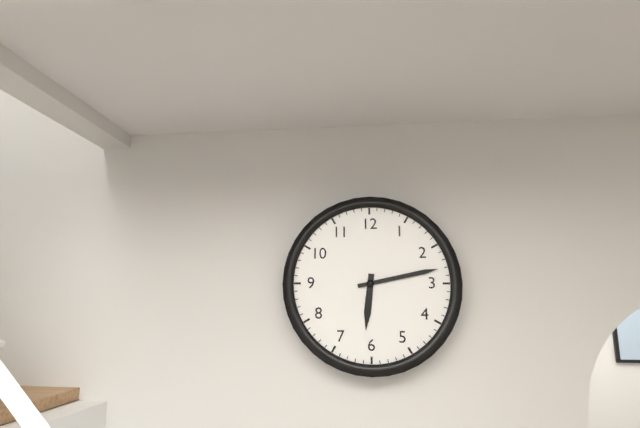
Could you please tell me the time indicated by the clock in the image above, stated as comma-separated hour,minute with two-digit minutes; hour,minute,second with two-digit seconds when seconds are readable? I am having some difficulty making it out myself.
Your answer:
6,13
